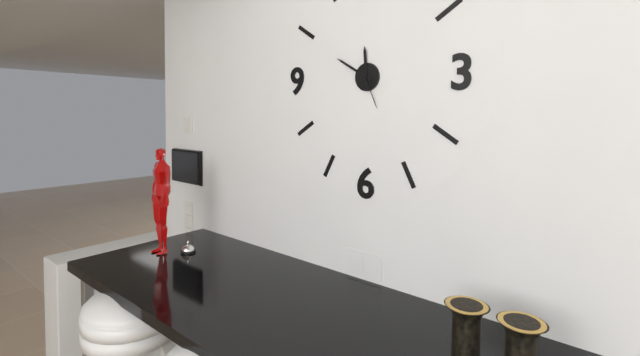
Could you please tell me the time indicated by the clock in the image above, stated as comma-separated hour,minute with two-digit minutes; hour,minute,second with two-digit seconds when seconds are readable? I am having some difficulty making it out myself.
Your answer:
11,50
